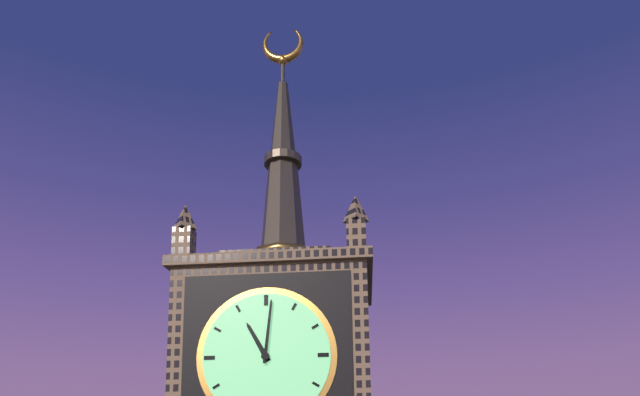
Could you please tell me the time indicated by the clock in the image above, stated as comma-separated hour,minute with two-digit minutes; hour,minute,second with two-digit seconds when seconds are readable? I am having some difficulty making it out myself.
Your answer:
11,01
